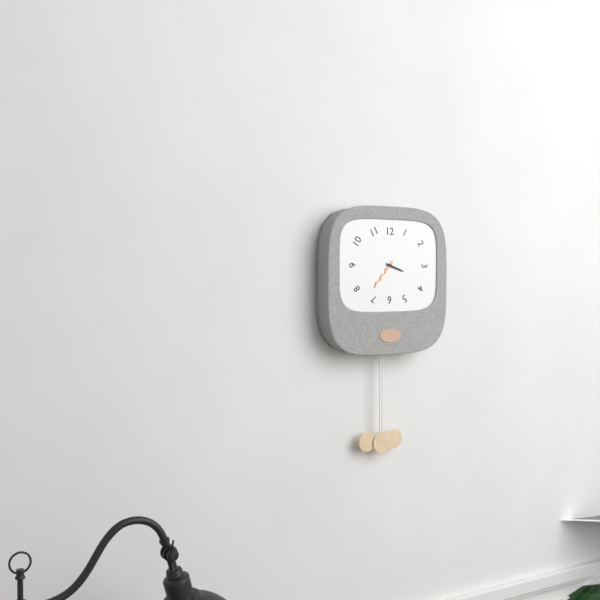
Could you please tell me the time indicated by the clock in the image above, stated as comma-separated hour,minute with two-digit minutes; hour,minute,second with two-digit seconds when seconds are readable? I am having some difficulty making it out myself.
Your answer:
3,37
